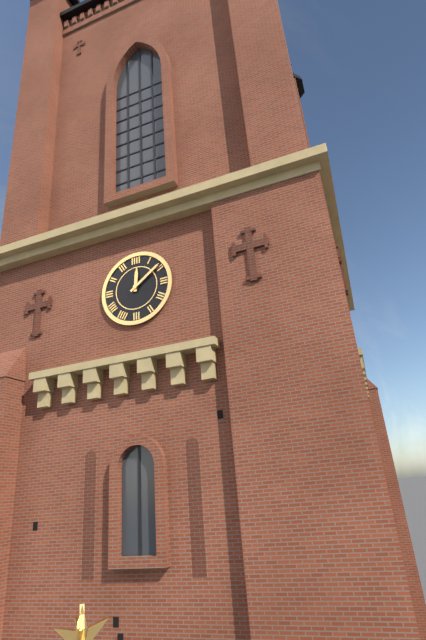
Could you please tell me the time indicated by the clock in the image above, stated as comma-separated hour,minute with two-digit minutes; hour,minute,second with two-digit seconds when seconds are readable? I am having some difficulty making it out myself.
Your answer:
12,09
